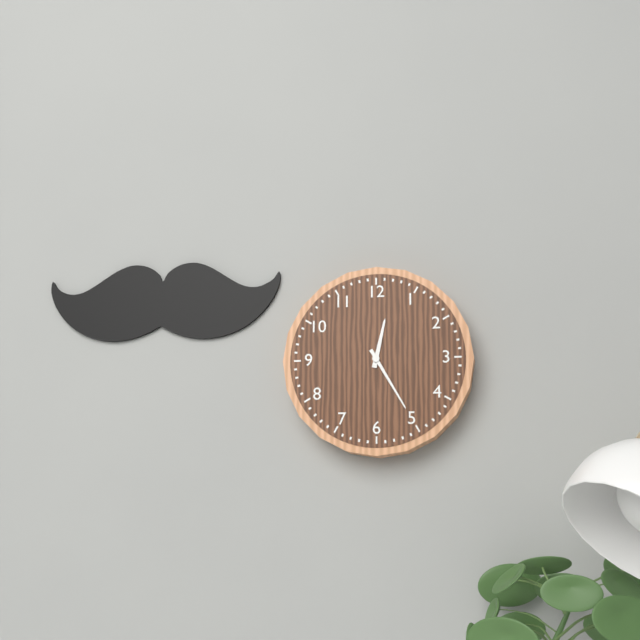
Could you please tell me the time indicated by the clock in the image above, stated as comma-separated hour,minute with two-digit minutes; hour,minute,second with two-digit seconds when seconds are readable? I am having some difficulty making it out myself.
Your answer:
12,25
